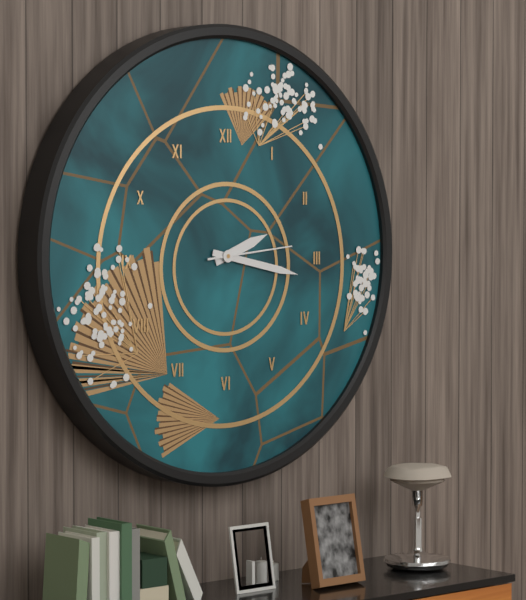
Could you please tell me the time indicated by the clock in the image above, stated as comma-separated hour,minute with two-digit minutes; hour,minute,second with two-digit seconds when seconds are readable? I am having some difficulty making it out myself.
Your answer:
2,17,14
